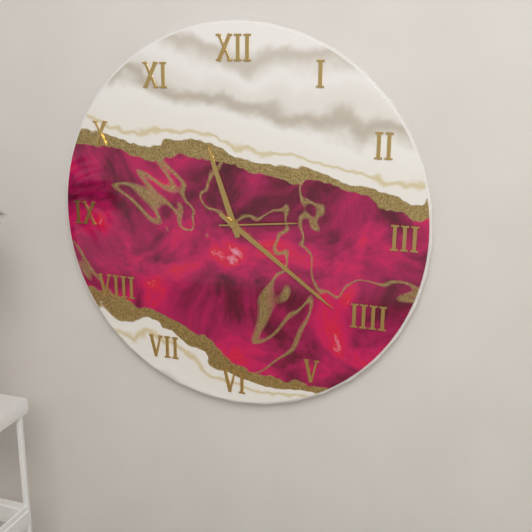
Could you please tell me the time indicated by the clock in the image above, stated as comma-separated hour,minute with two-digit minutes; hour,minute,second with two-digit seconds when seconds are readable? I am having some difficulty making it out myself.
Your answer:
11,21,14
